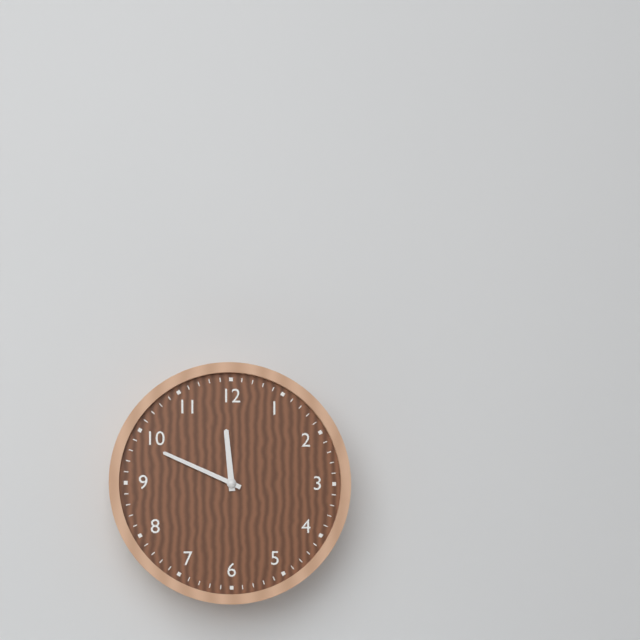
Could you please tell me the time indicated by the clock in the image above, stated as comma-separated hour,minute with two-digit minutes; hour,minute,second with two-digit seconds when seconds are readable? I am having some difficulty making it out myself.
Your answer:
11,49
